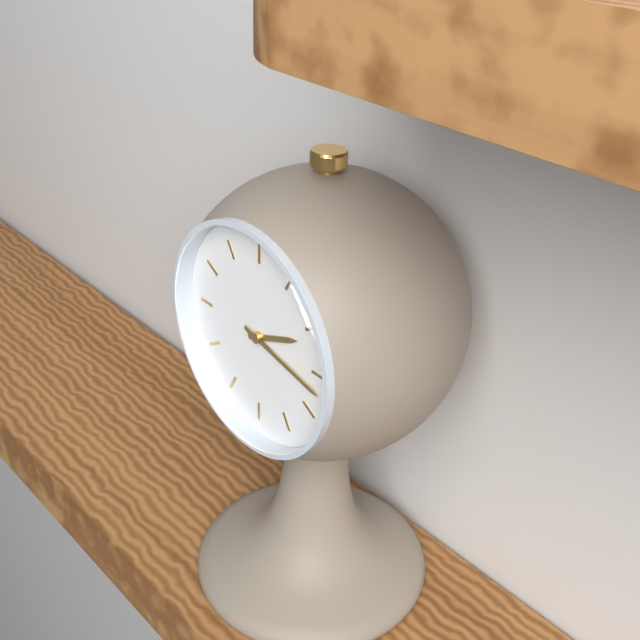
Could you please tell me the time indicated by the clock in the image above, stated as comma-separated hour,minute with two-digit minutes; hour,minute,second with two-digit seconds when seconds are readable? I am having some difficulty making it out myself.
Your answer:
2,17
